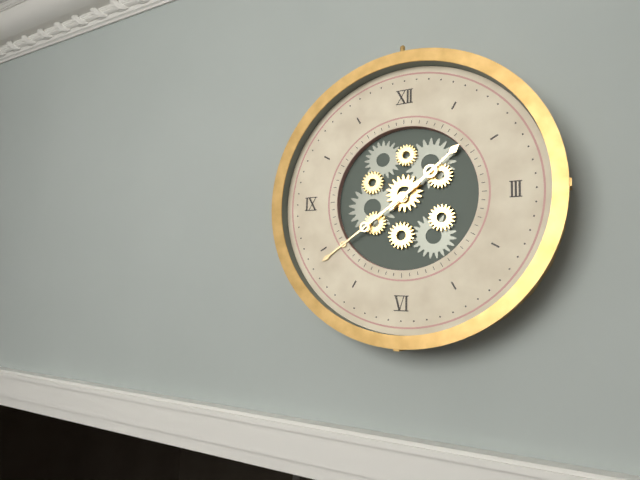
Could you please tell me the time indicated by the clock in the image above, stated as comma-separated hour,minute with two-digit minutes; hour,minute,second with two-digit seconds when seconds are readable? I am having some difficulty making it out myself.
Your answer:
1,39
